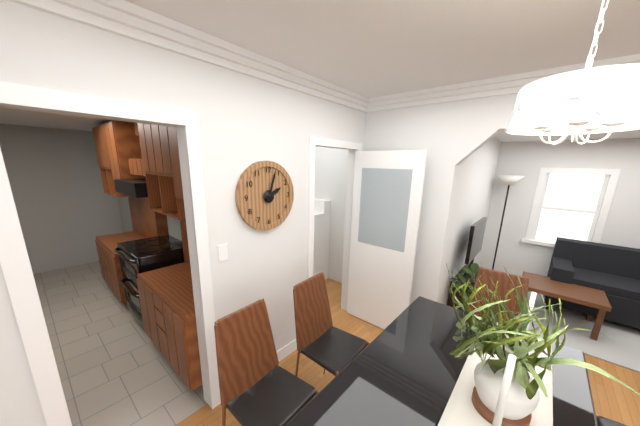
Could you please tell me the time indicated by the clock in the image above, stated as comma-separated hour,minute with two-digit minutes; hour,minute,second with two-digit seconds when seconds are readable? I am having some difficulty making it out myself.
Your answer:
2,03
